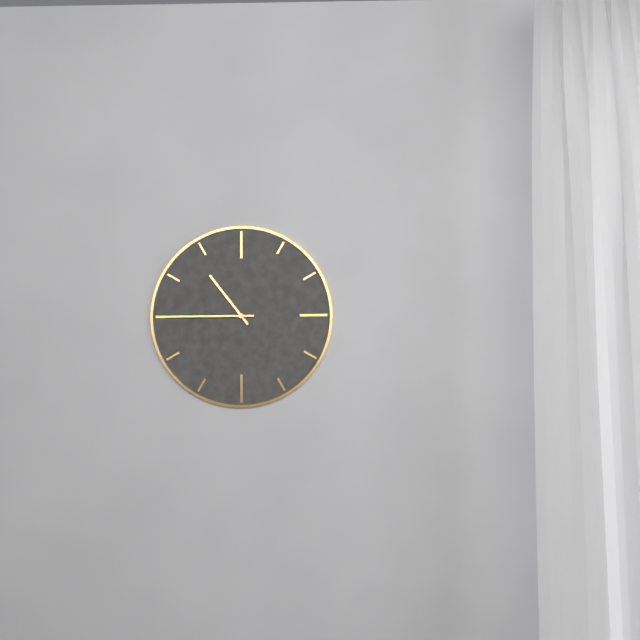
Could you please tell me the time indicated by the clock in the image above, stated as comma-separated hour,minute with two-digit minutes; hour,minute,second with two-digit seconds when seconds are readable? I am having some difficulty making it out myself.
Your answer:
10,45
